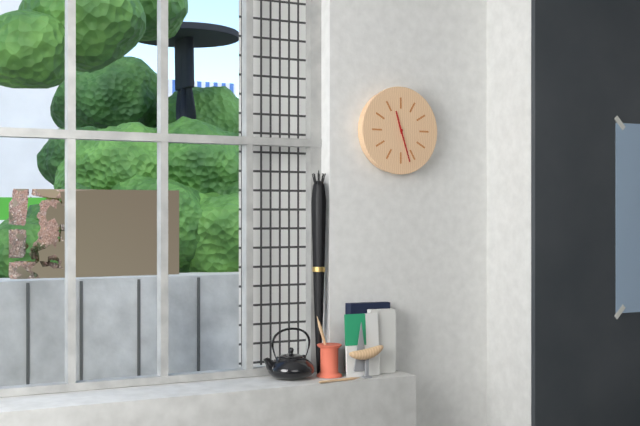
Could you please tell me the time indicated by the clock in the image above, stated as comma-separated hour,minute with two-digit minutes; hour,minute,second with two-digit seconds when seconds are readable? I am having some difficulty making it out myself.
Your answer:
11,27
